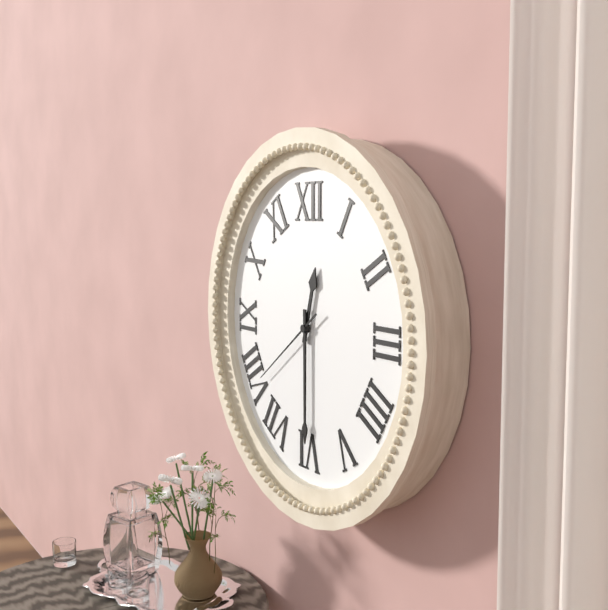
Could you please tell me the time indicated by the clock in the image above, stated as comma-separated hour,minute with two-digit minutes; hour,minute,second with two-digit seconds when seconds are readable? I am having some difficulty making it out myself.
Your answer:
12,30,39
